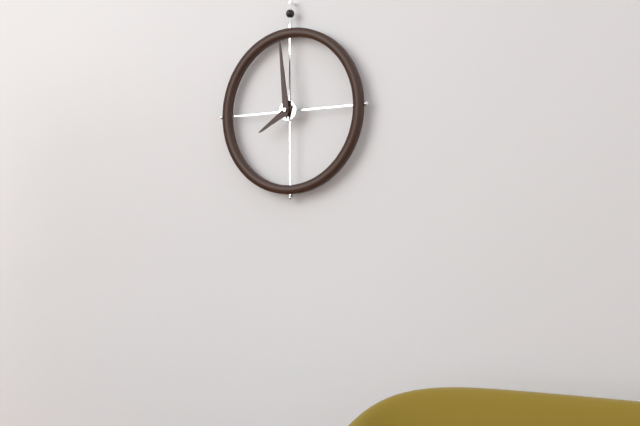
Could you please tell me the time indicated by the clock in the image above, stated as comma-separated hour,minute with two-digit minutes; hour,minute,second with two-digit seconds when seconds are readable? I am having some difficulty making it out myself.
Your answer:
7,59
